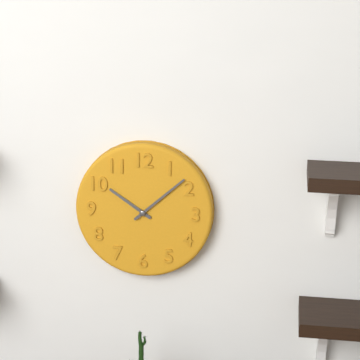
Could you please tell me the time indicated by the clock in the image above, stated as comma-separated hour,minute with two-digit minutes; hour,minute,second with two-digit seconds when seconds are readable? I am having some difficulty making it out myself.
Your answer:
10,08
